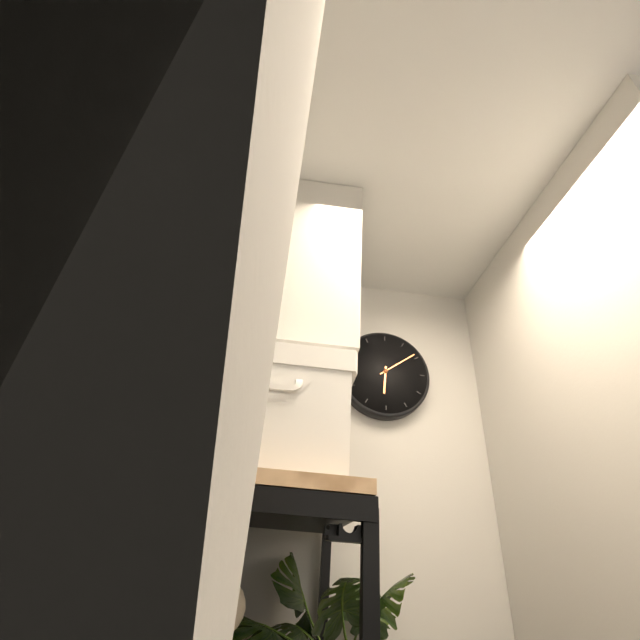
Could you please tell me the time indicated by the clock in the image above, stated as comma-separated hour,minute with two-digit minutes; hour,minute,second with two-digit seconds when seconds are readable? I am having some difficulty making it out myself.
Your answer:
6,09
